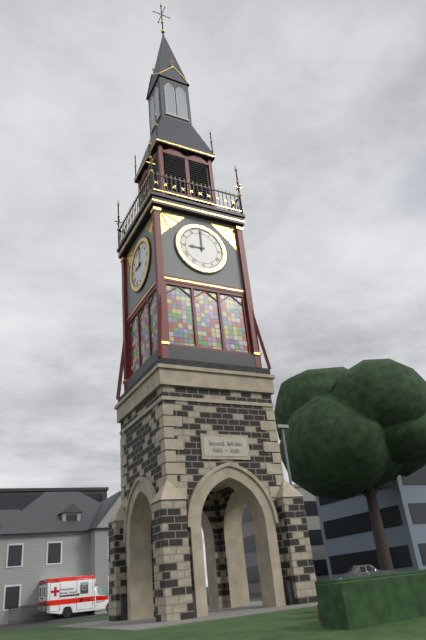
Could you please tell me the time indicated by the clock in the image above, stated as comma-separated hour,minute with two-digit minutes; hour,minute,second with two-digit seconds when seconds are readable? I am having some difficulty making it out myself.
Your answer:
9,00
